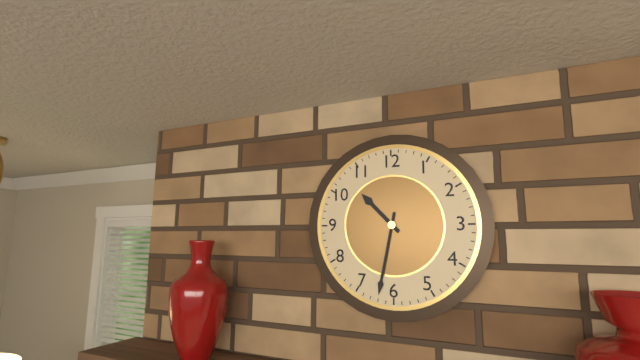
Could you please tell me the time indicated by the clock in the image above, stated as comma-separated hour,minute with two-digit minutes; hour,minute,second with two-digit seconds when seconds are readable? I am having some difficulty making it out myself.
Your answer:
10,32
